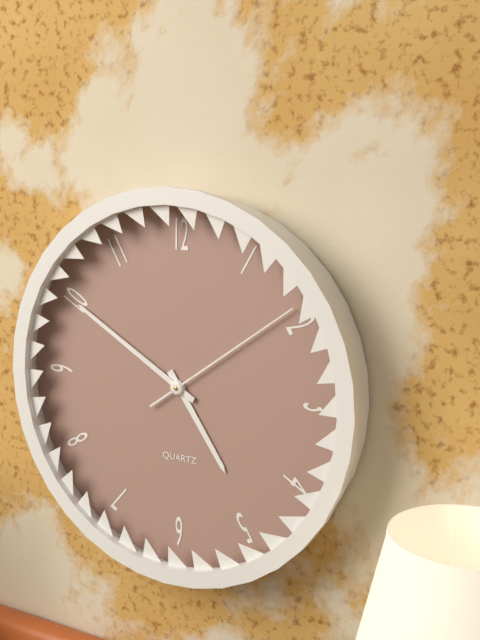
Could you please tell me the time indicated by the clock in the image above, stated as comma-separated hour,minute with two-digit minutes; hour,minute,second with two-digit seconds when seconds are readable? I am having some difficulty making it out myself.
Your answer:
4,50,09
